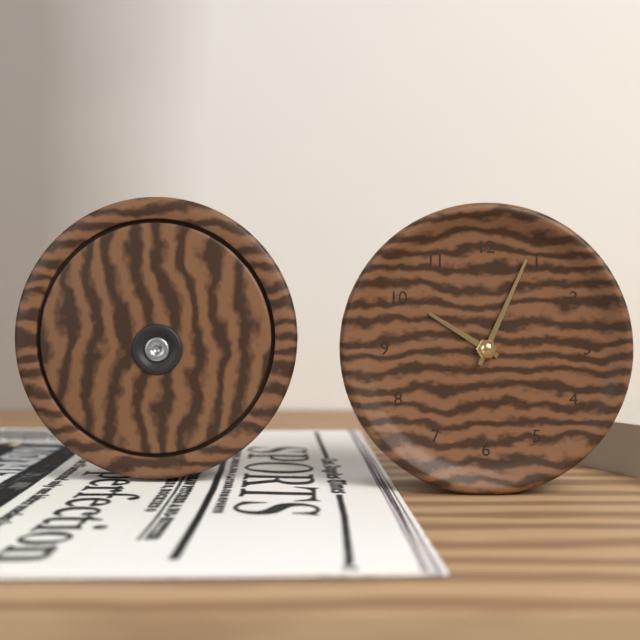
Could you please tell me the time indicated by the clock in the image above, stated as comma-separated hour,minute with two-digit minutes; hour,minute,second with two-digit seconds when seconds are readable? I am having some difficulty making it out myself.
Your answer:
10,04
